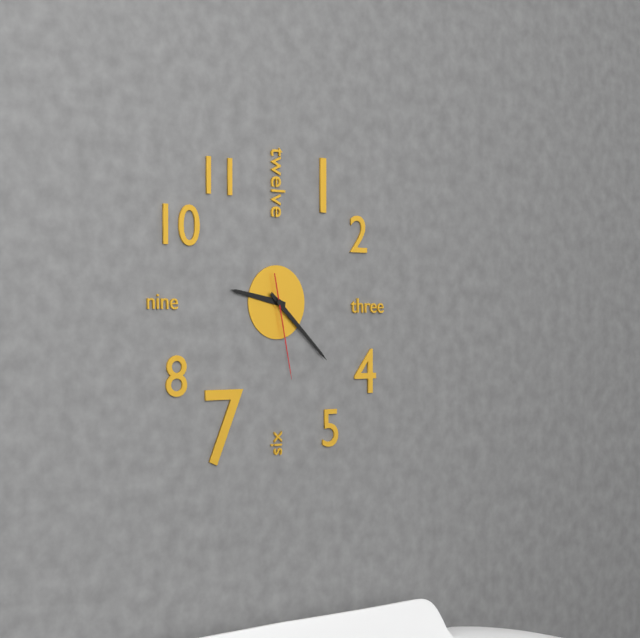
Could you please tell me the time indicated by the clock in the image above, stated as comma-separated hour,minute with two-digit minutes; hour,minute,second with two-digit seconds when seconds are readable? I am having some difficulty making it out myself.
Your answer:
9,22,28
